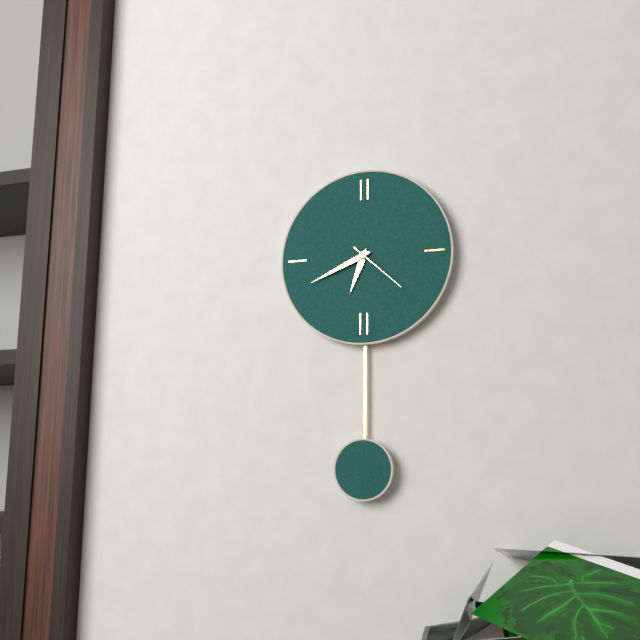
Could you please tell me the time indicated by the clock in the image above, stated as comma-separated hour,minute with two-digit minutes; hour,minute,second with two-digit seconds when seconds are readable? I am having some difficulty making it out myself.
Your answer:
6,41,22
